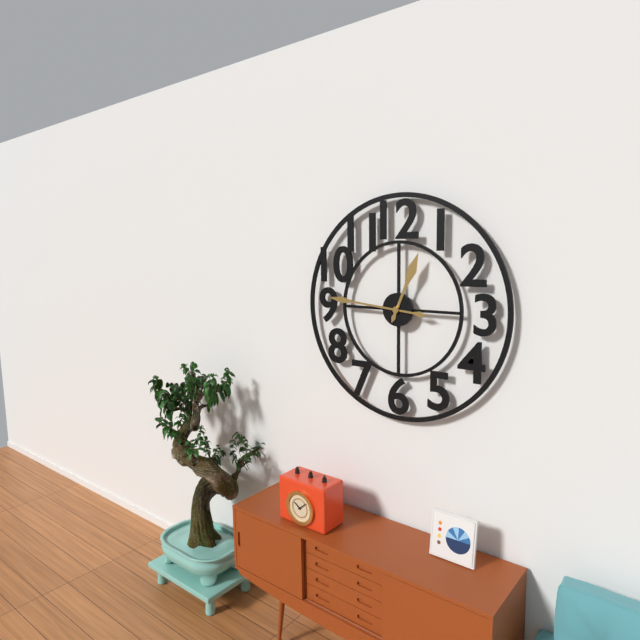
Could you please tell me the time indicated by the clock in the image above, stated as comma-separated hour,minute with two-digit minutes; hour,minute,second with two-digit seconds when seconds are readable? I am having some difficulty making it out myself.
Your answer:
12,46
